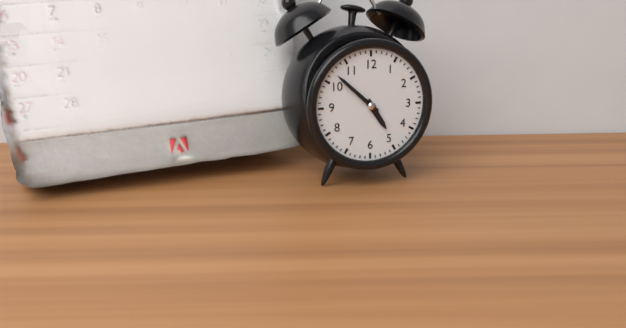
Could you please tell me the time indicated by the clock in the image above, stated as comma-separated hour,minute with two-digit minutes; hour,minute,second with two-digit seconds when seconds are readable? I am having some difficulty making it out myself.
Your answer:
4,52
